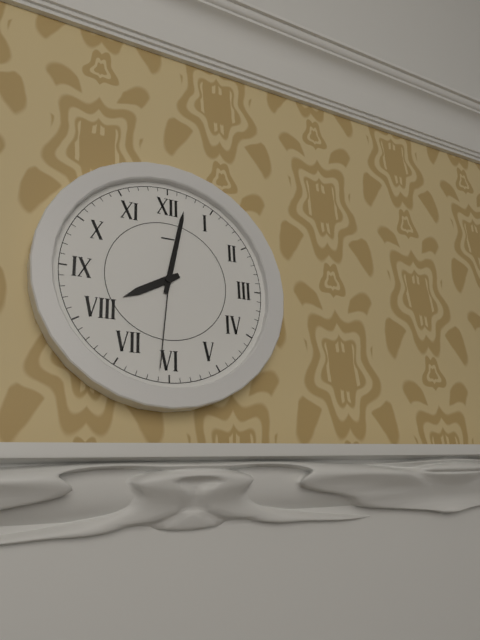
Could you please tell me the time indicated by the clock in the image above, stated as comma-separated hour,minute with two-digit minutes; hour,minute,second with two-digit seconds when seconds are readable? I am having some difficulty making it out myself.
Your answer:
8,02,31
